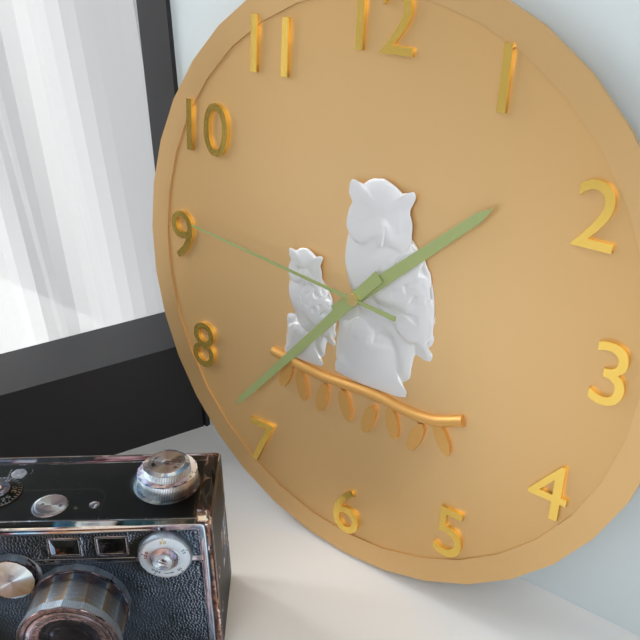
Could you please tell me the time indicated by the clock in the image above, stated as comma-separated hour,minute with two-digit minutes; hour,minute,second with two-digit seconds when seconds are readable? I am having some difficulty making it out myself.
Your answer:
1,37,46
